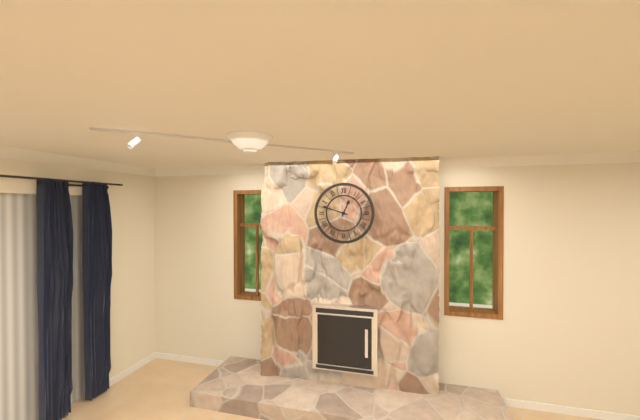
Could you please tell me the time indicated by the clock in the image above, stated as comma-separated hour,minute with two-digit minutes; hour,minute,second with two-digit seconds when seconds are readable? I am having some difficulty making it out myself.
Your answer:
12,48
